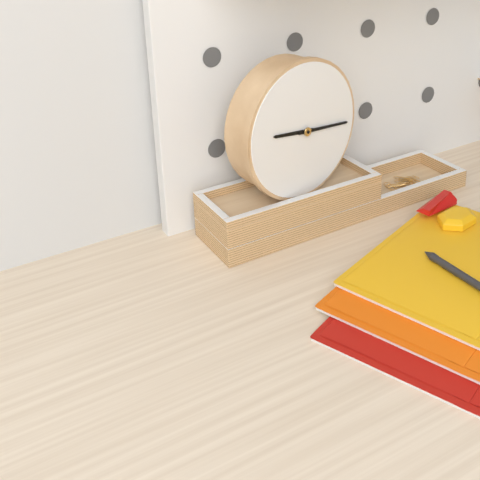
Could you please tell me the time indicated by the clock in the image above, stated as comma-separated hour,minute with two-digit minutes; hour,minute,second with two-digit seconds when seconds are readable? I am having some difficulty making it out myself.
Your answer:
9,16
